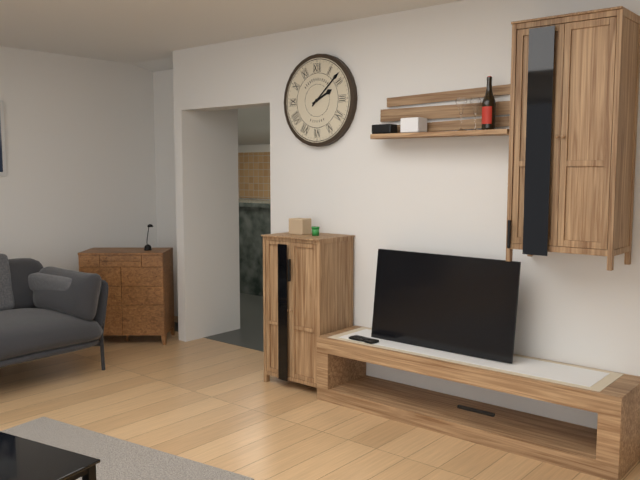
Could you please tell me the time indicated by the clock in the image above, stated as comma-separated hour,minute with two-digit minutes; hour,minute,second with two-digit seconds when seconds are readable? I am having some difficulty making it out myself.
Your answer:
2,08
